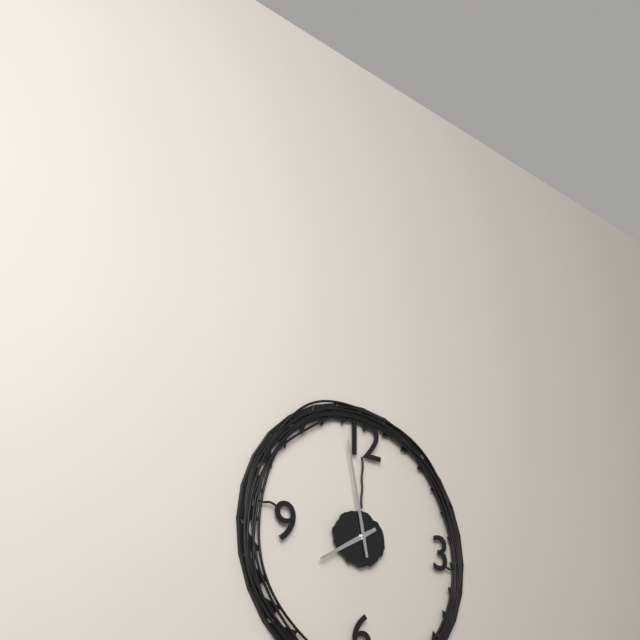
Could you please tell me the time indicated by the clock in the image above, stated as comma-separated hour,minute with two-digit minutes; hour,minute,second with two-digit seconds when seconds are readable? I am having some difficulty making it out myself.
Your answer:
7,58
